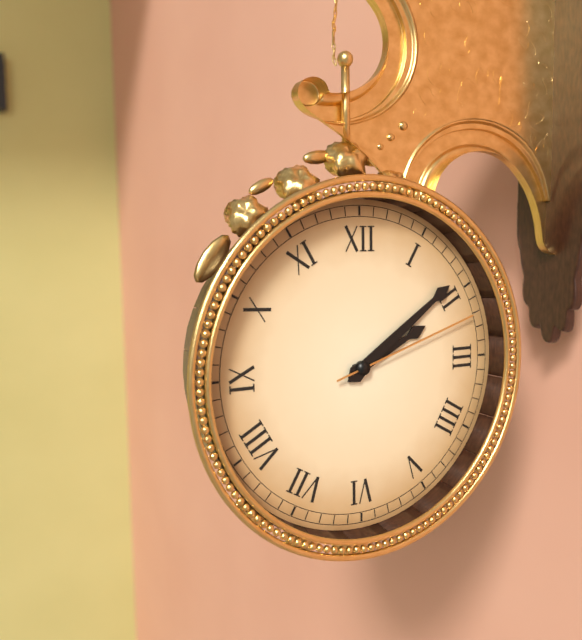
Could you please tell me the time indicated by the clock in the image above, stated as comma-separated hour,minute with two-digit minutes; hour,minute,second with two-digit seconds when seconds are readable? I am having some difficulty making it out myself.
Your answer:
2,09,12
